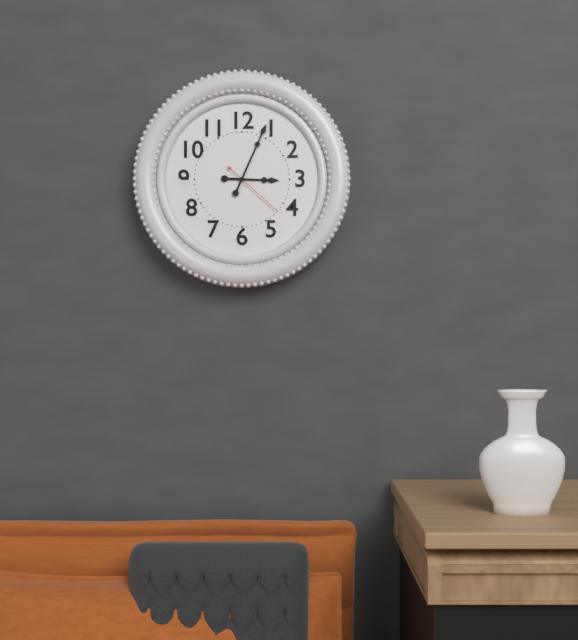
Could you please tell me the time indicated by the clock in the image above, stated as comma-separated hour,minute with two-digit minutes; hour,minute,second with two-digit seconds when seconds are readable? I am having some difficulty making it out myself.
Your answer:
3,04,22
